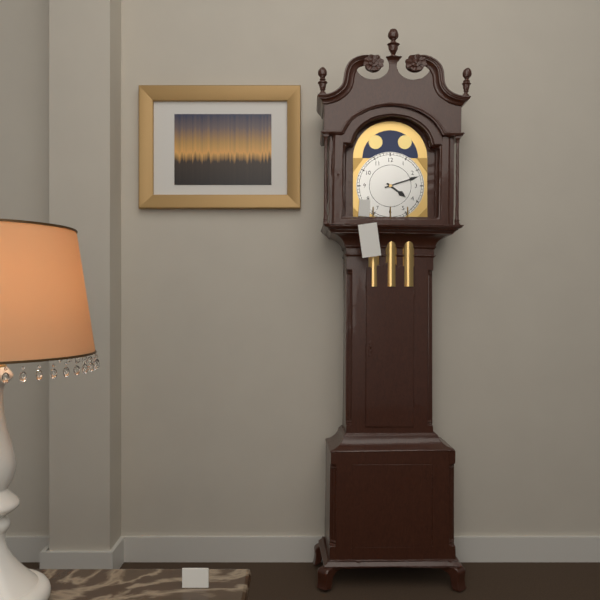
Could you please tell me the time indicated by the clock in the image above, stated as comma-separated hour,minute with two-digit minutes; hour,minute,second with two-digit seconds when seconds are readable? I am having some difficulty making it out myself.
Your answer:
4,12
